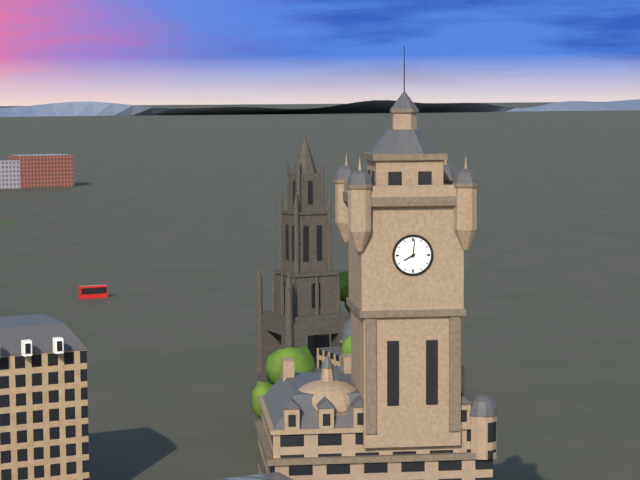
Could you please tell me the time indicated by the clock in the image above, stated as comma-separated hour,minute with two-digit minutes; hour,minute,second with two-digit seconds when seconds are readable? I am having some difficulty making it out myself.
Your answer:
8,01
